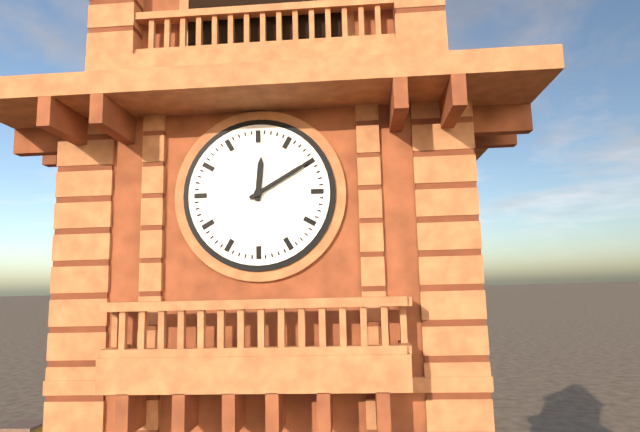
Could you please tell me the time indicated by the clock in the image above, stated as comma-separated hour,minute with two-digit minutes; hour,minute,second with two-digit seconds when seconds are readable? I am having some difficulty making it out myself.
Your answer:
12,10
